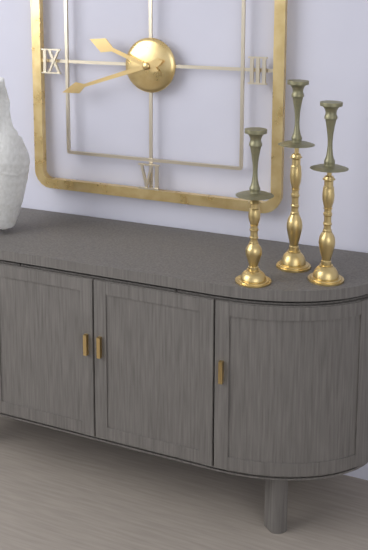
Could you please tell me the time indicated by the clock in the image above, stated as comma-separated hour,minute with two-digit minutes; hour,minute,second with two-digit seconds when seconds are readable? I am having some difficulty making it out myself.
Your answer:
9,42
